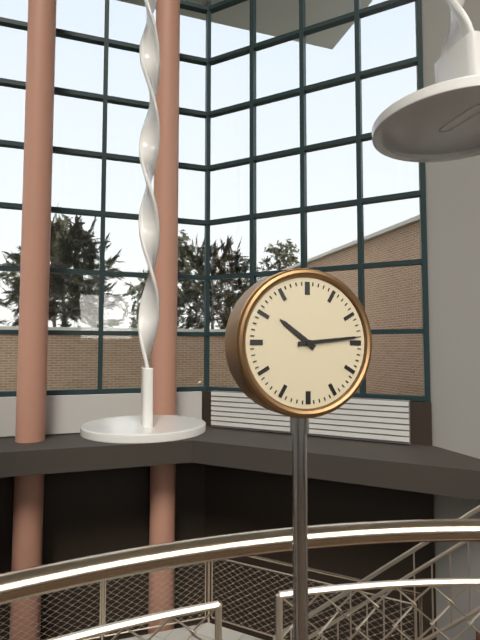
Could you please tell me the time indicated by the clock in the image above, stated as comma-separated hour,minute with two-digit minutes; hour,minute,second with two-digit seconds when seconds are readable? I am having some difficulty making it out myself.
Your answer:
10,14
